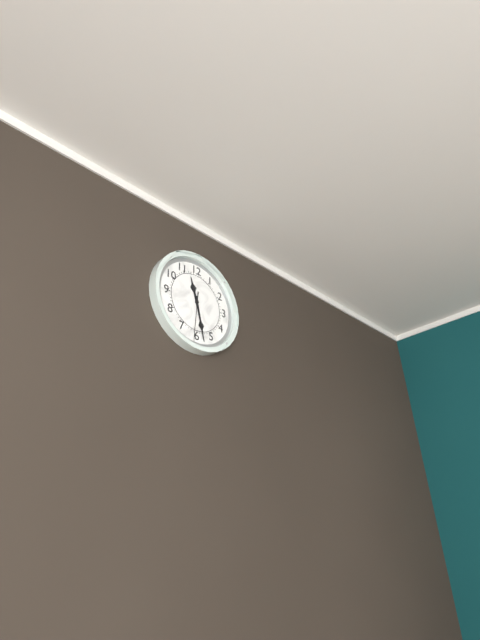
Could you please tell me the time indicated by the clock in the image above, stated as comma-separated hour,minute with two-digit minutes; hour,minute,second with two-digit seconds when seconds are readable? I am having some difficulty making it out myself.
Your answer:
11,28
